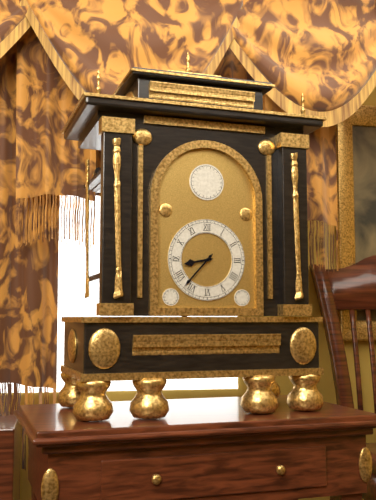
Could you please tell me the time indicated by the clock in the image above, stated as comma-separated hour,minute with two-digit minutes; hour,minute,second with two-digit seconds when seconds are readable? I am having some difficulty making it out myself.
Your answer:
8,37
